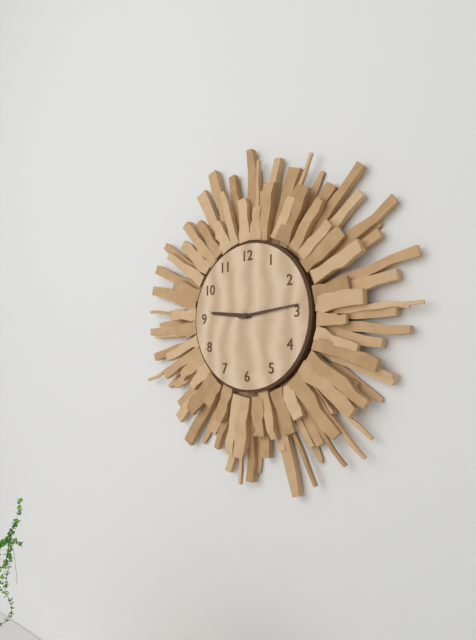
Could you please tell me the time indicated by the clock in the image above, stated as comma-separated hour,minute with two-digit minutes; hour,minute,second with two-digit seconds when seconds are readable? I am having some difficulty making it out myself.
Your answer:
9,14
